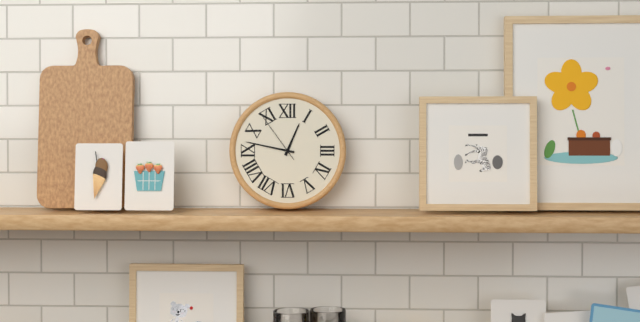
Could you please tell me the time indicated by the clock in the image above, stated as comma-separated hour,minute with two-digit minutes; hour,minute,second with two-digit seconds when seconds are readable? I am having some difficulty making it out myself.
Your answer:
12,47,54
